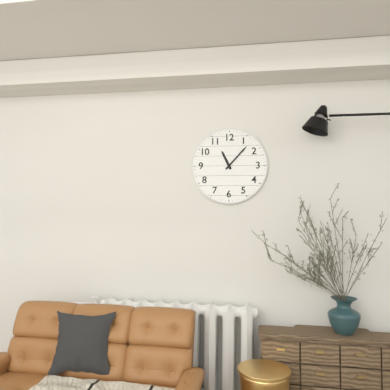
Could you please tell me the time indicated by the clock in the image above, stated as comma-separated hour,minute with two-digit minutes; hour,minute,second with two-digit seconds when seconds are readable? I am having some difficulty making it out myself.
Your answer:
11,07
